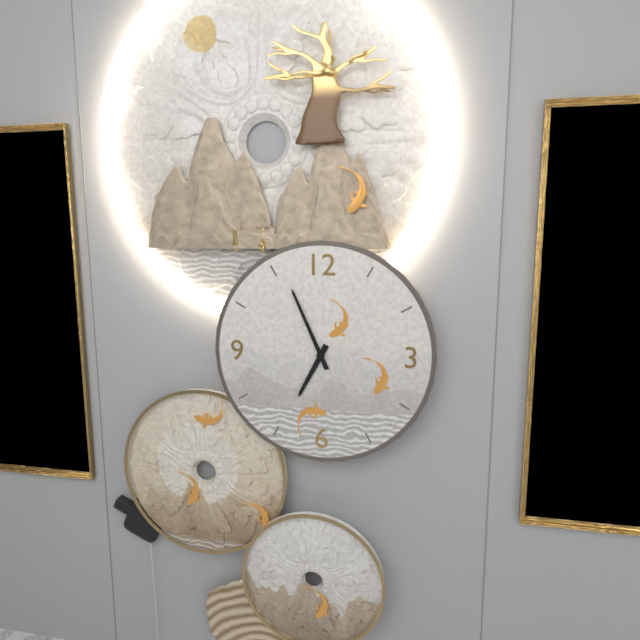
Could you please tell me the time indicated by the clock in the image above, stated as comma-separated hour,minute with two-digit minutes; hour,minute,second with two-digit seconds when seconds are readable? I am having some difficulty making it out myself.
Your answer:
6,56
